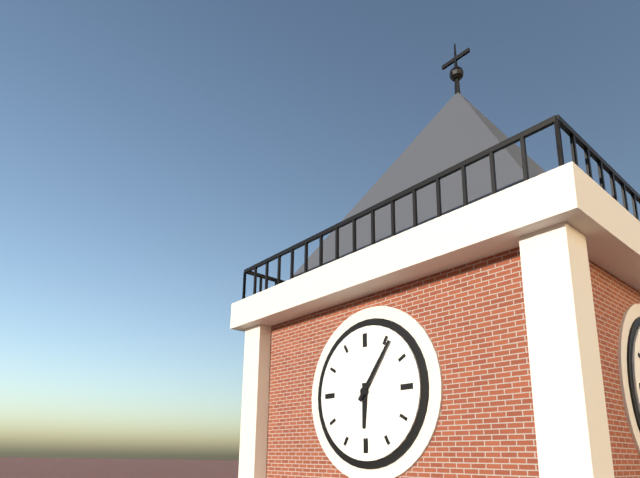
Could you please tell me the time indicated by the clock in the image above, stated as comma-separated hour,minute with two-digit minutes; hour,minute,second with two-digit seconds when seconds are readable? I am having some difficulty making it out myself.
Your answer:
6,06
